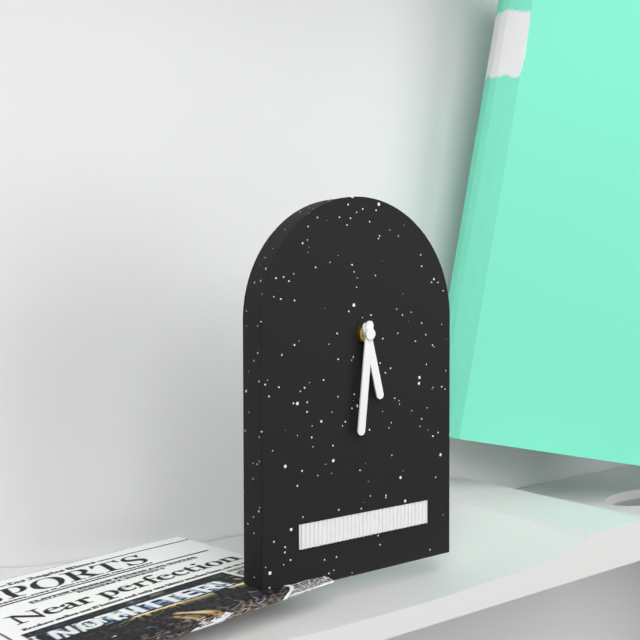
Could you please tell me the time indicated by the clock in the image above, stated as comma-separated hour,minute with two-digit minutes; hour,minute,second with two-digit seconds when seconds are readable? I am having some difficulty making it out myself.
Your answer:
5,31
